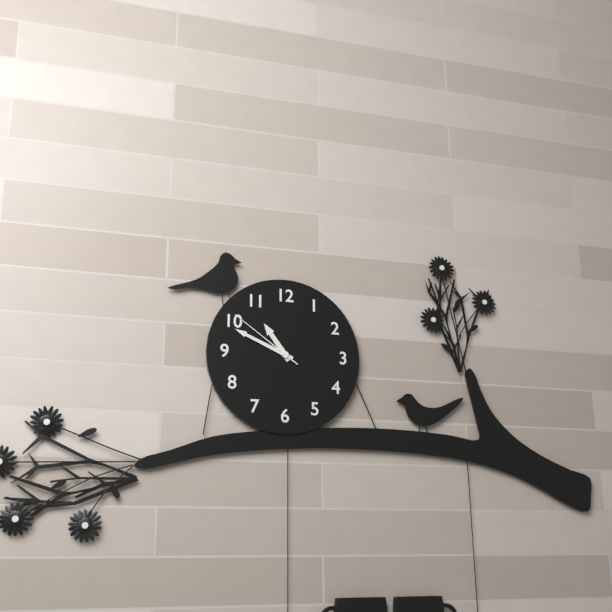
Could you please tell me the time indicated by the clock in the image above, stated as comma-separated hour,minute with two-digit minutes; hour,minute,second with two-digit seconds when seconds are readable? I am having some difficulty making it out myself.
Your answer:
10,49,51
